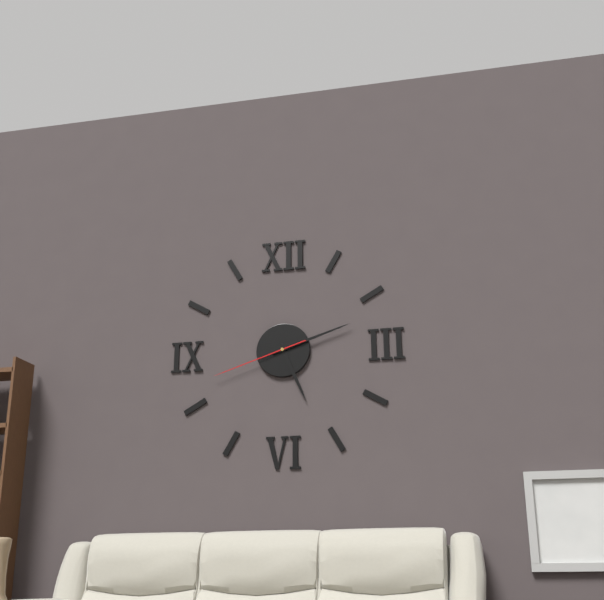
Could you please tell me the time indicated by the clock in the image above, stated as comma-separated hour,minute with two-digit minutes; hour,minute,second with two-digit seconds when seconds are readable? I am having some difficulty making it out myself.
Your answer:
5,12,42
